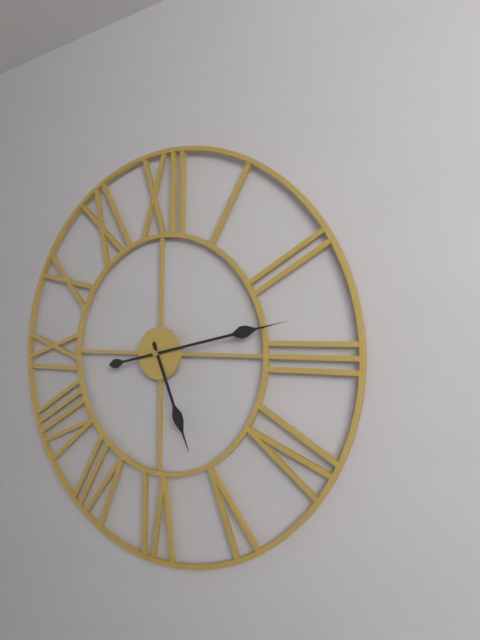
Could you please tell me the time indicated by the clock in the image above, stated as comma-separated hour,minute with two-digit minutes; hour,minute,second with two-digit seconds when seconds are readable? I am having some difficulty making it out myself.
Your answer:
5,13
